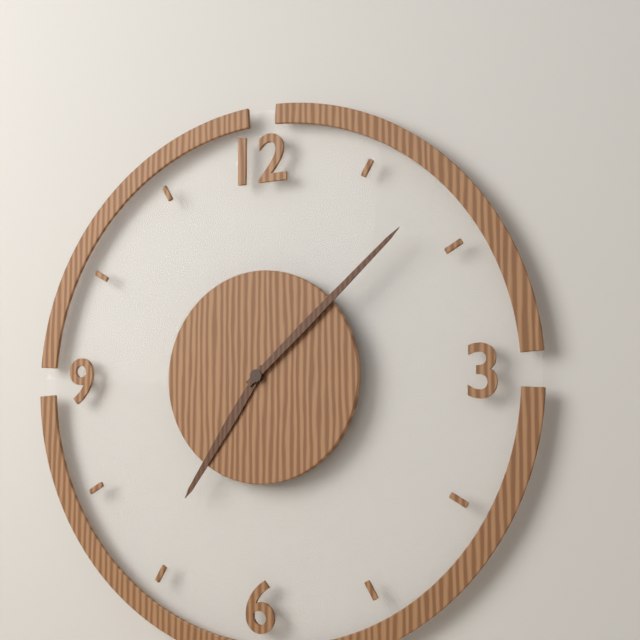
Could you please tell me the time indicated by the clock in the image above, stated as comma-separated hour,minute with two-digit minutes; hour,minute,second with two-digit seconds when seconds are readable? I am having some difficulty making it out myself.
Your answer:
7,08
